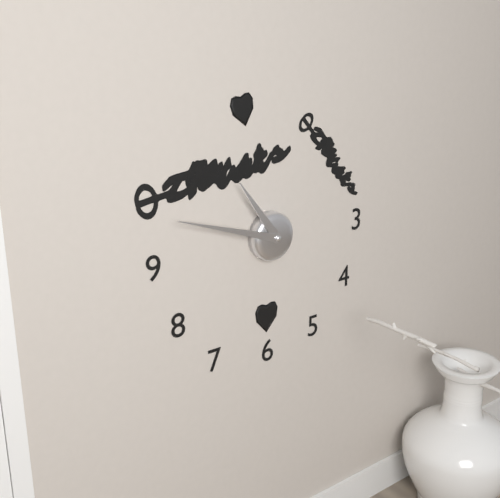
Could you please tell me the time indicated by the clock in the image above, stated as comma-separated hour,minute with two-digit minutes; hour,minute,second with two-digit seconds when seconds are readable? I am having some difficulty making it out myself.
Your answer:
10,48
